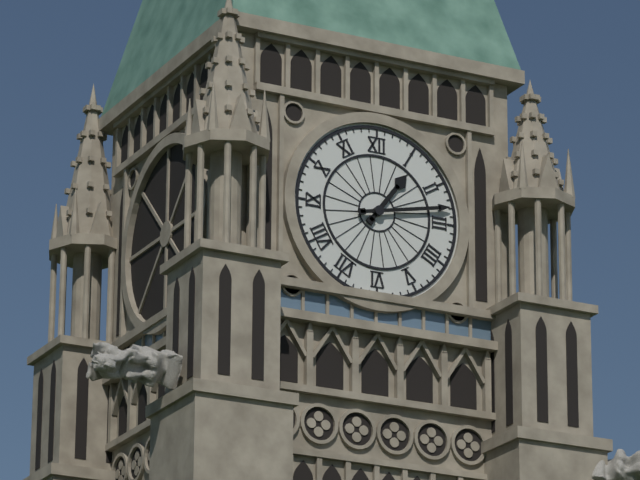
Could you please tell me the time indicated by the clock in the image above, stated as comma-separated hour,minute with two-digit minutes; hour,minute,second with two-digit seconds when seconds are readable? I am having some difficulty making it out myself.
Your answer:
1,13
